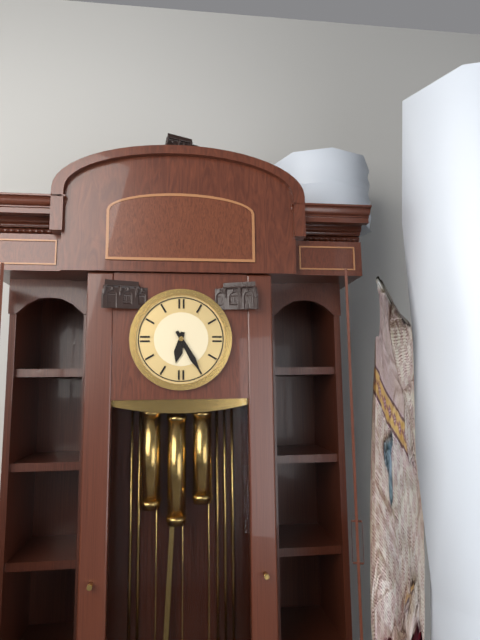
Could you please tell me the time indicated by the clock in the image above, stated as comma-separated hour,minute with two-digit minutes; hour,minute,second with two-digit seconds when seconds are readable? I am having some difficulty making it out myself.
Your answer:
6,25
